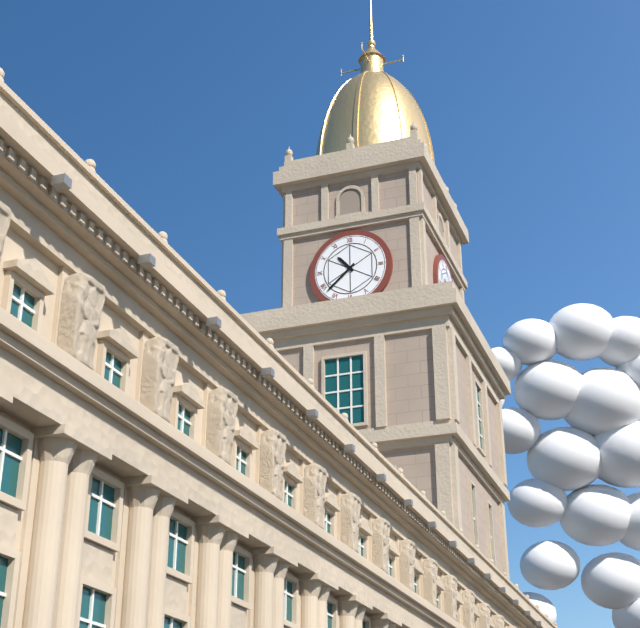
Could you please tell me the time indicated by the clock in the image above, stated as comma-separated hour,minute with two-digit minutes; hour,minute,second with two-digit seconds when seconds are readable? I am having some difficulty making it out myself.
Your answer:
10,38
